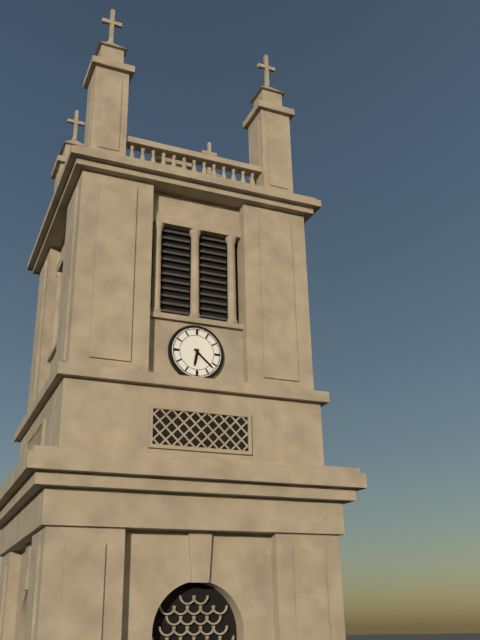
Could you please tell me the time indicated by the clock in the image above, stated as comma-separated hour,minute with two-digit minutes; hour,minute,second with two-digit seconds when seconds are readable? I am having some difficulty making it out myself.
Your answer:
6,22
